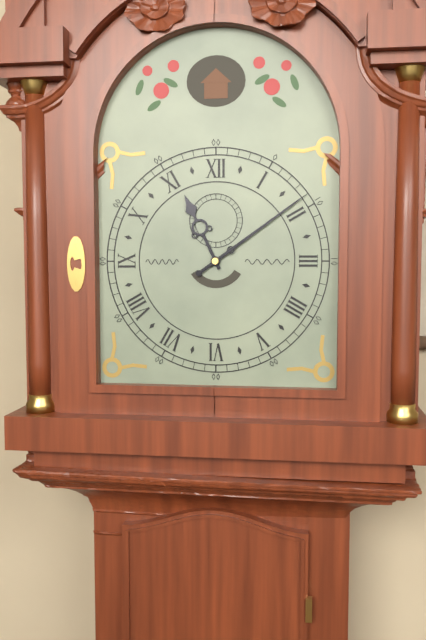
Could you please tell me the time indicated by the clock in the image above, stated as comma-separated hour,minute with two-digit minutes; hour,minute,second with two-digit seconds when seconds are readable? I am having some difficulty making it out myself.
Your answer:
11,09
